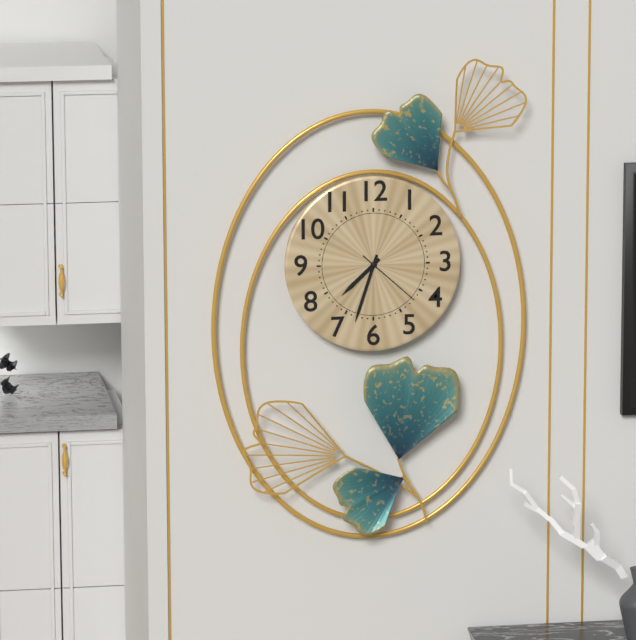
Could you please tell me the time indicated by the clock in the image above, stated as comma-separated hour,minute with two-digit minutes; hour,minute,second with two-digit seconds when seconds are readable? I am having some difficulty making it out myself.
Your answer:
7,33,22
